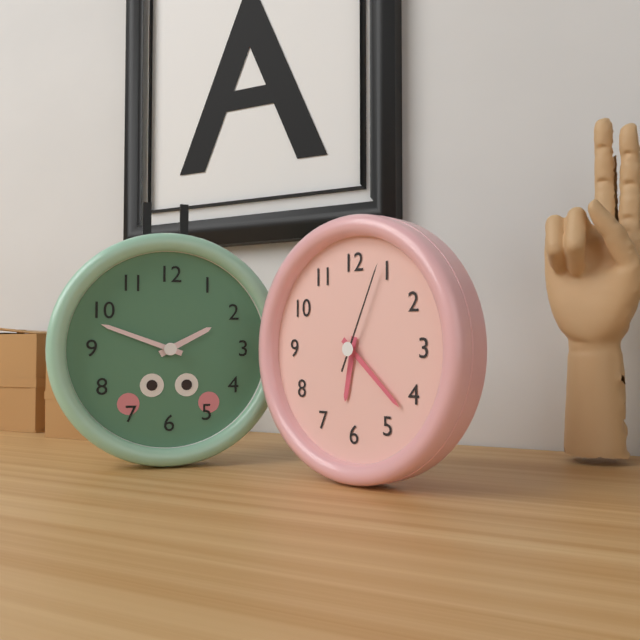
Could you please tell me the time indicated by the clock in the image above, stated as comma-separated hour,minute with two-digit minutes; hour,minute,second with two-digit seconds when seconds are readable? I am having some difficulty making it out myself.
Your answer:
6,22,04
